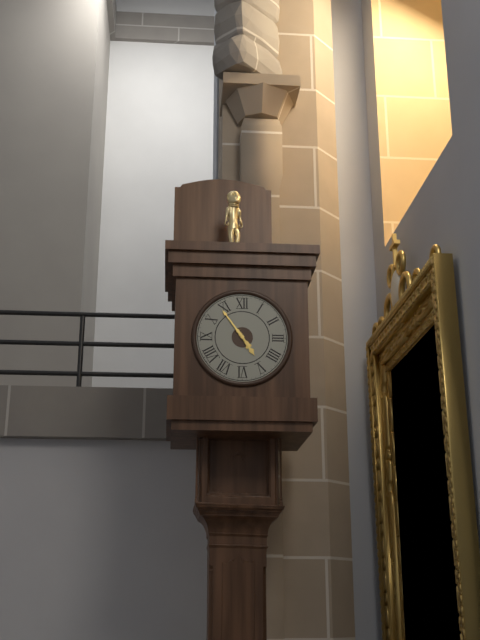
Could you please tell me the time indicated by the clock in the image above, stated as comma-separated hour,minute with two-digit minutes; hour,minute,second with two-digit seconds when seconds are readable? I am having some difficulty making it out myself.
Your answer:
4,54
